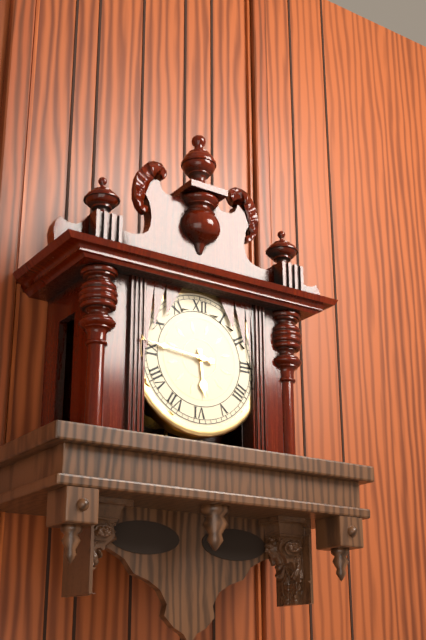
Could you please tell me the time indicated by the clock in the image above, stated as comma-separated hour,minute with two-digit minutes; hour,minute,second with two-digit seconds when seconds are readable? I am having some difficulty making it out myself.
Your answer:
5,46
